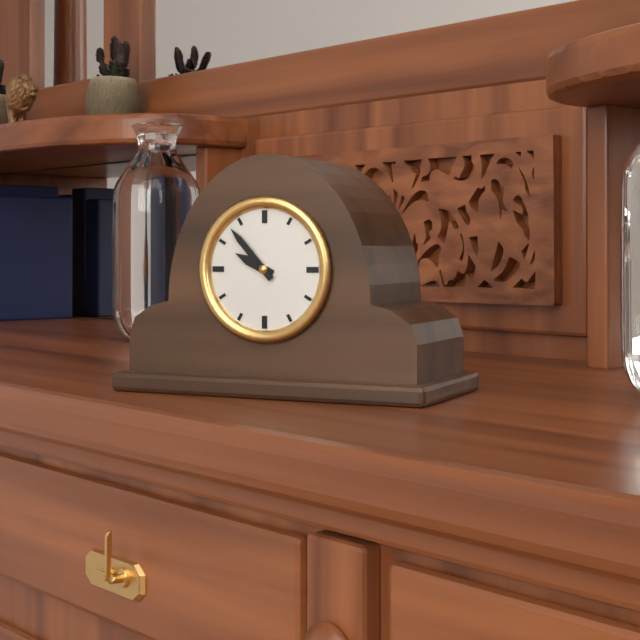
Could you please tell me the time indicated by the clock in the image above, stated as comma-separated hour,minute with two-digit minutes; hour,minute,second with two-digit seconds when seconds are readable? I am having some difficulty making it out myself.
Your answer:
9,53
